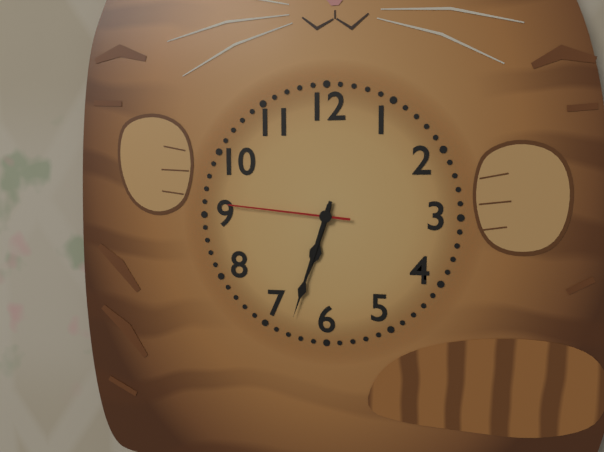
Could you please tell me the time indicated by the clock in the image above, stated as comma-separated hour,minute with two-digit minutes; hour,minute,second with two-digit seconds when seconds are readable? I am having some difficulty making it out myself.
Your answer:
6,33,46
